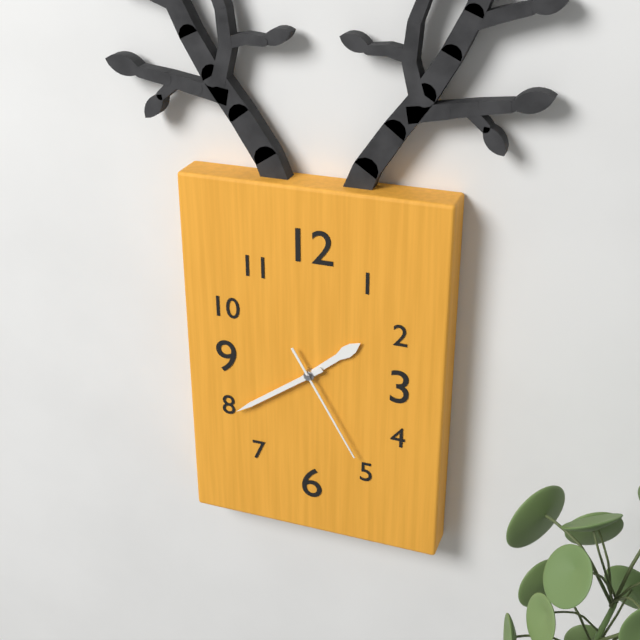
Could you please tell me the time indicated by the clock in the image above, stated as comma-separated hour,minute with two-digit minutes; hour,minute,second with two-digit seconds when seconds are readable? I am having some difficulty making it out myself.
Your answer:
1,39,25
